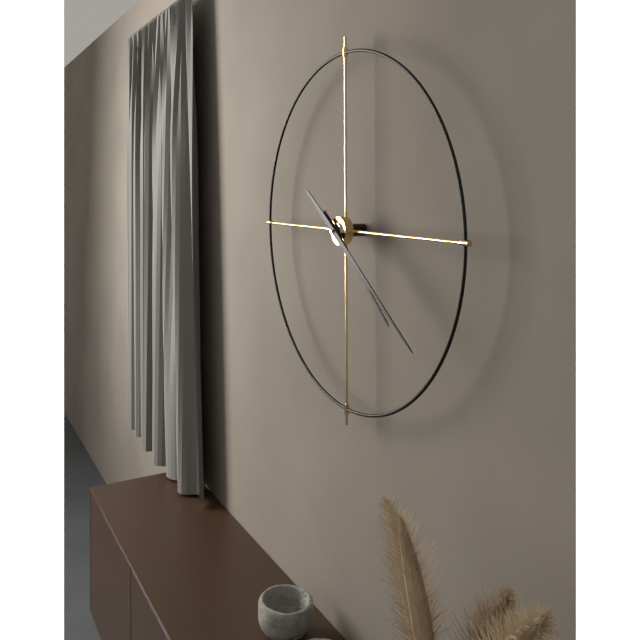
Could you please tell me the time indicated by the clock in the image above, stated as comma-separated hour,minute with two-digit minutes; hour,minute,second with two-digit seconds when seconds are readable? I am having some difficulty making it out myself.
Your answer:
4,21
